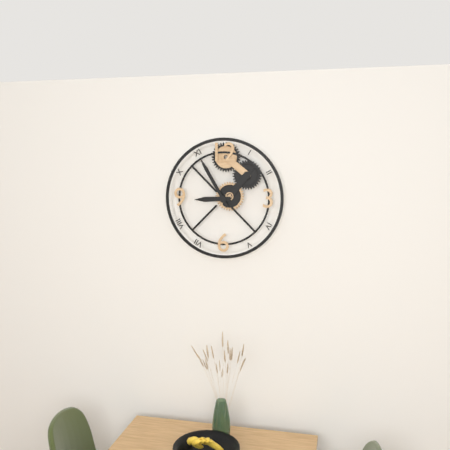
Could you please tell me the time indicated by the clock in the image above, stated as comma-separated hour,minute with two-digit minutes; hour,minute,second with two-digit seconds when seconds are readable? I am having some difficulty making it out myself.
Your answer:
8,55
